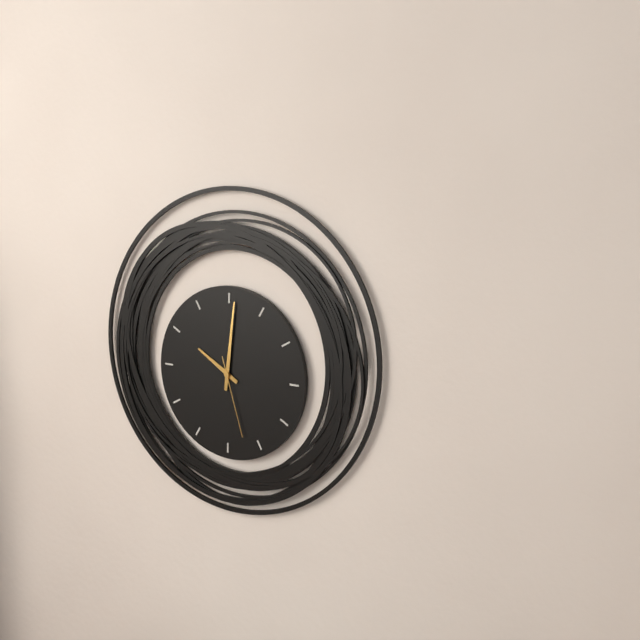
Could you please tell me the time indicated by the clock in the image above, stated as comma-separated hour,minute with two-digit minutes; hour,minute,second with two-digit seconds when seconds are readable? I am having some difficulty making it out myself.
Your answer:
10,01,27
